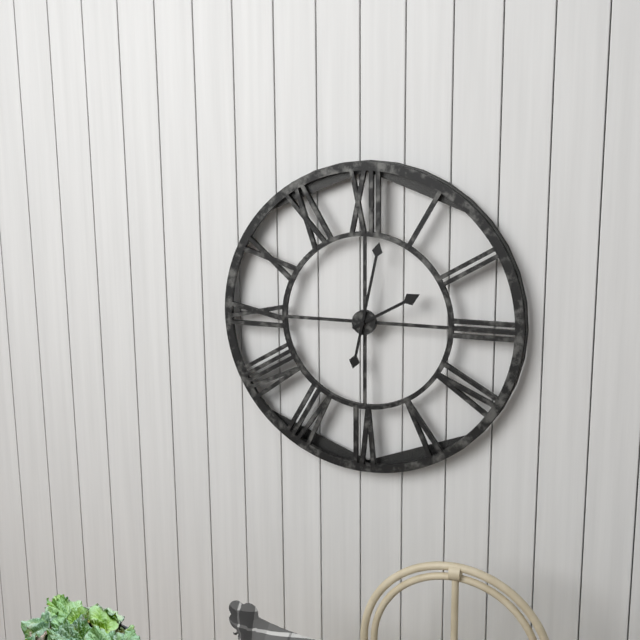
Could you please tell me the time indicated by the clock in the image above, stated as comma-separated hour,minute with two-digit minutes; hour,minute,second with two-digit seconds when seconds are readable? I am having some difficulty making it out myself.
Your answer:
2,02
